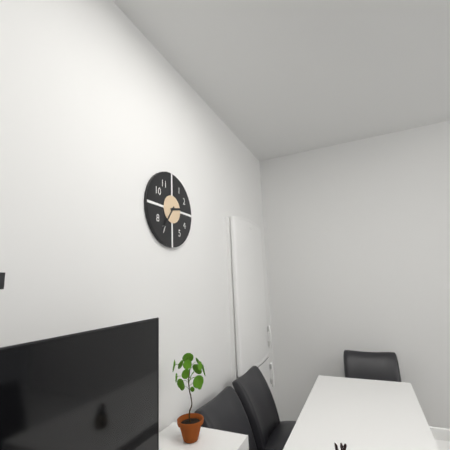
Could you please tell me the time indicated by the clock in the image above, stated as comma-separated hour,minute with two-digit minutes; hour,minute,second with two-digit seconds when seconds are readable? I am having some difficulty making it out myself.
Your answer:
2,36
